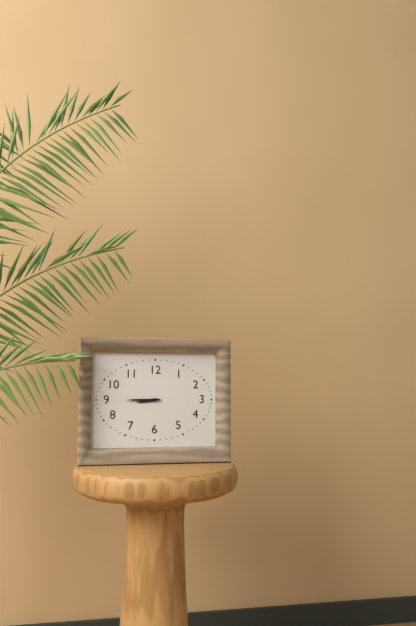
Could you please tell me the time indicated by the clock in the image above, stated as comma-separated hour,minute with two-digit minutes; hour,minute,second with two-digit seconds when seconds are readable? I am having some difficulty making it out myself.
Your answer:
8,45
